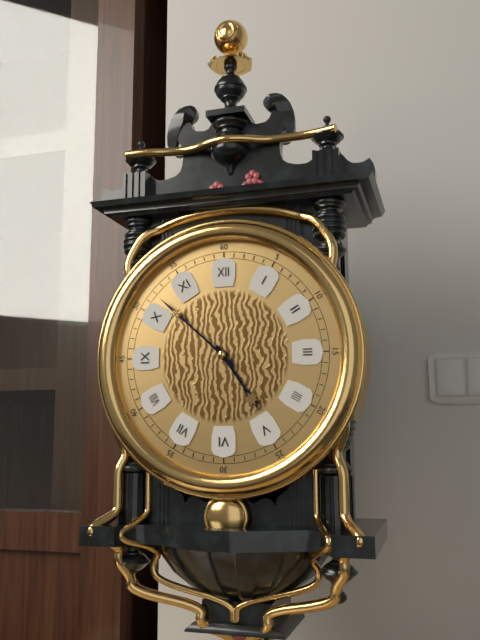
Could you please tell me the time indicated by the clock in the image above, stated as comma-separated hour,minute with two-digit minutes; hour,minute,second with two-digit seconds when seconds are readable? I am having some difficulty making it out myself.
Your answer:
4,52
